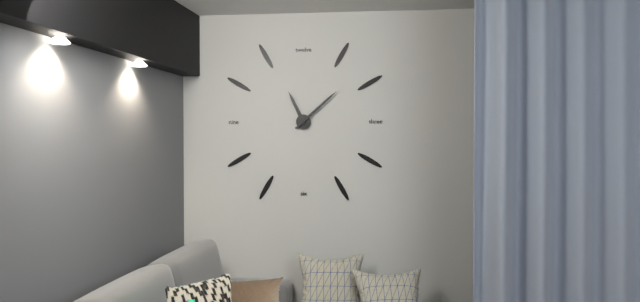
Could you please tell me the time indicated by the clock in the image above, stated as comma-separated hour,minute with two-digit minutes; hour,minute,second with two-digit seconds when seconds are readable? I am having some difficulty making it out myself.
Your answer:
11,08
